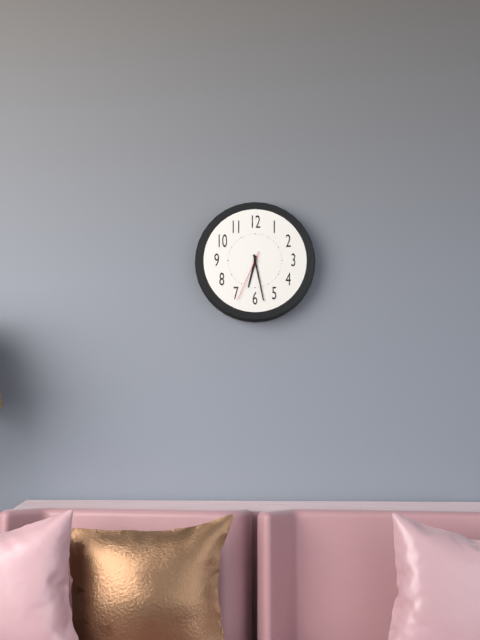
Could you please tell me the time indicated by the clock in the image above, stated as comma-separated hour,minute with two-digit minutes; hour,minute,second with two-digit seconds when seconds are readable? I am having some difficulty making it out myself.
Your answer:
6,28,34
